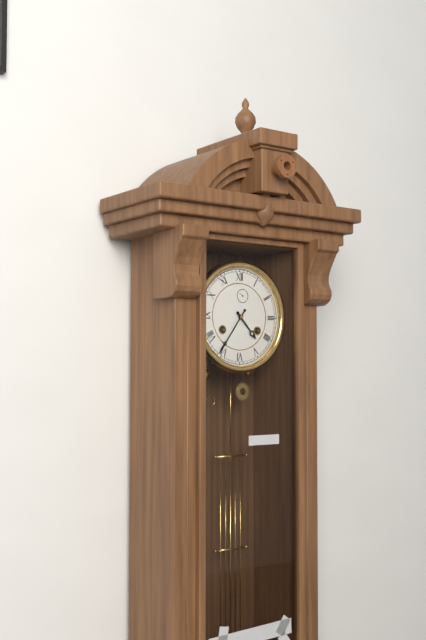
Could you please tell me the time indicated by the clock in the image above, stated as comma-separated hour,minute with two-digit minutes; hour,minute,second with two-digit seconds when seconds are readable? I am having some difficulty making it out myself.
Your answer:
4,36
